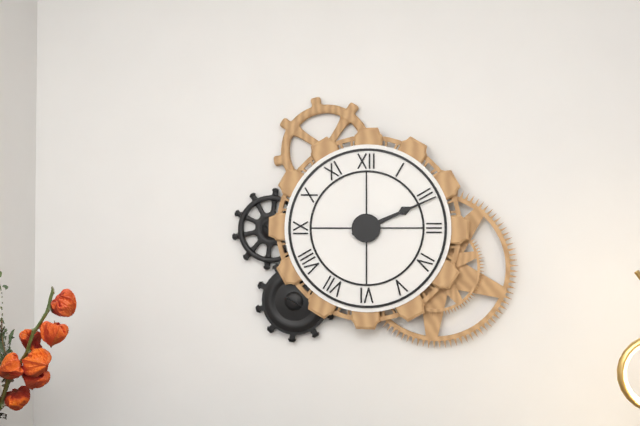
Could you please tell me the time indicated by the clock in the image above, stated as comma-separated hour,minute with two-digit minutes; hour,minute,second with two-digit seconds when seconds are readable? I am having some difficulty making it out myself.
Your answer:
2,11
